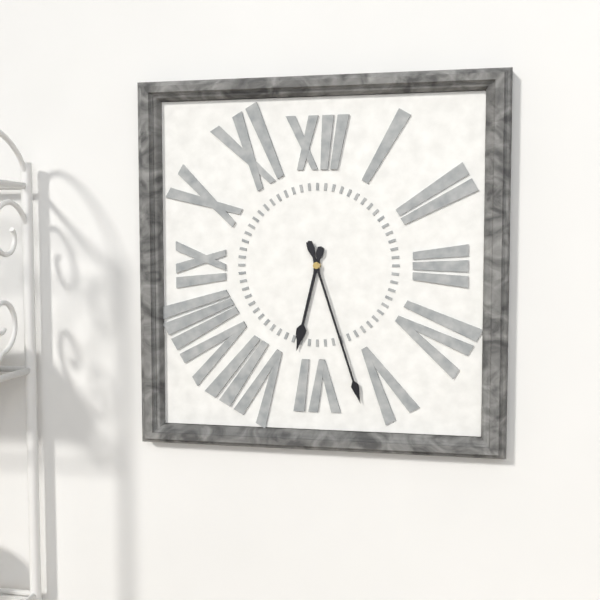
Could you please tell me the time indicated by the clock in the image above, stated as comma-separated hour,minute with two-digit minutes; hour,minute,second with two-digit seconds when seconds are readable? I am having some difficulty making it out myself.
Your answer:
6,27
